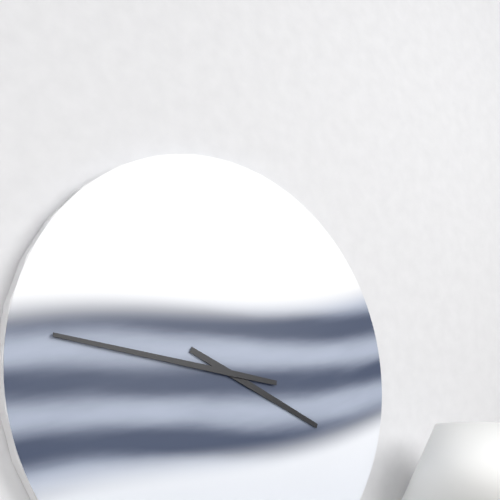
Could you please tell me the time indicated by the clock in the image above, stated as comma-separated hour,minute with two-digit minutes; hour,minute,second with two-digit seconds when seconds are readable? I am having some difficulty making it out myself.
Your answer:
3,46
